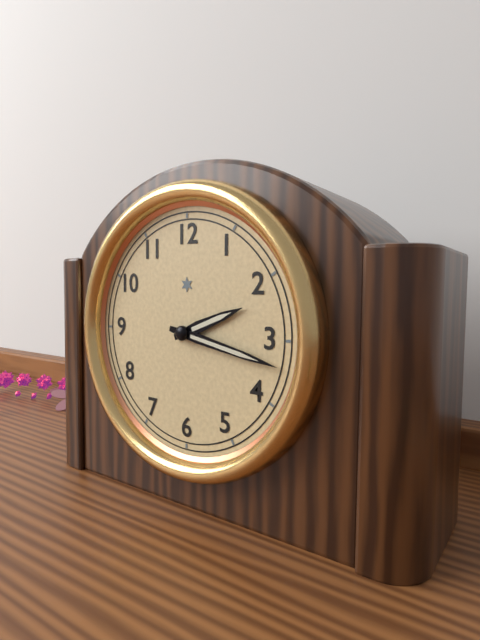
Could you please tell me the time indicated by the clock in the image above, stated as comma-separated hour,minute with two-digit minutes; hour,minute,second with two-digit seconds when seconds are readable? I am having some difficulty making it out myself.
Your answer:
2,17
